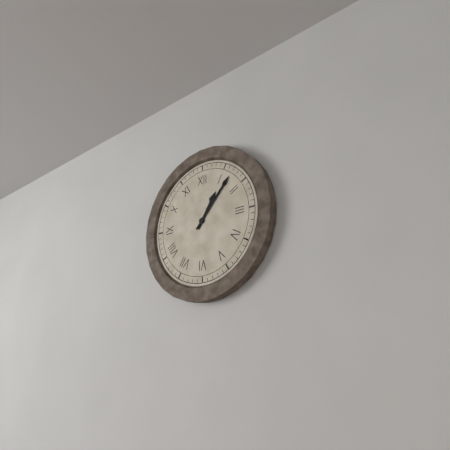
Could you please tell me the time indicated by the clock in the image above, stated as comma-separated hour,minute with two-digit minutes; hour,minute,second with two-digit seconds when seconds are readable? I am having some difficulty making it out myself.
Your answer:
1,07
